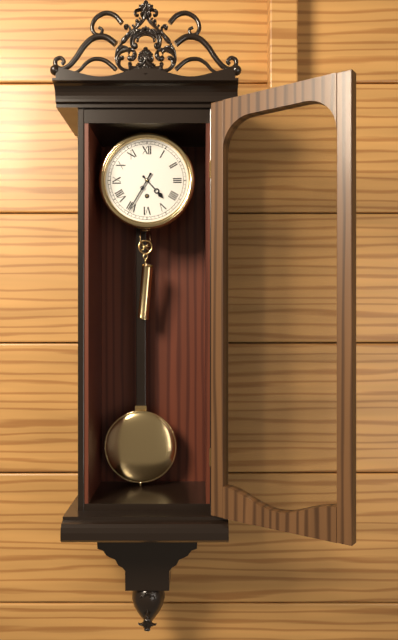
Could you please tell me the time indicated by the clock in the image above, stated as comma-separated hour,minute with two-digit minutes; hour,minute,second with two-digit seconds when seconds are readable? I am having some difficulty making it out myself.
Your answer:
4,35
